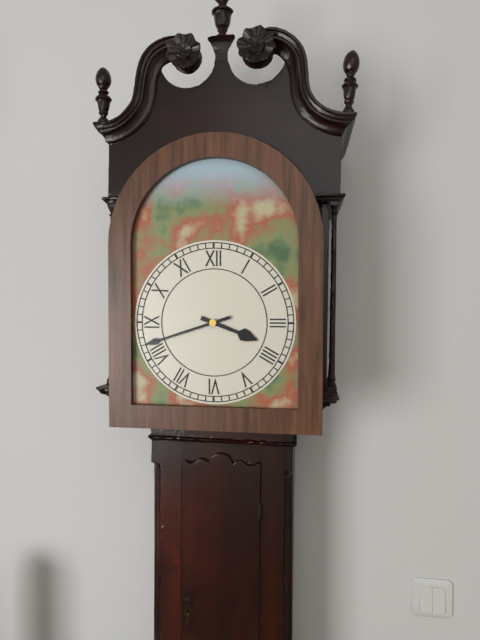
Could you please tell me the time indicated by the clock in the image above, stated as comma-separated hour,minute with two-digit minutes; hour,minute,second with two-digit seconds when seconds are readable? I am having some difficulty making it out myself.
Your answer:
3,42
